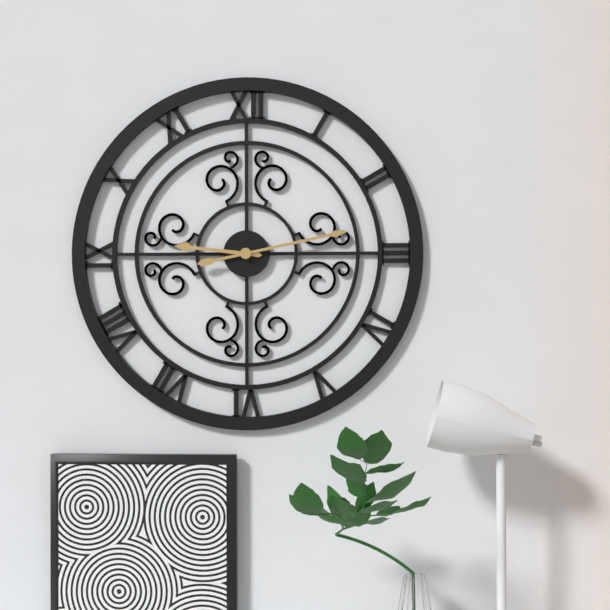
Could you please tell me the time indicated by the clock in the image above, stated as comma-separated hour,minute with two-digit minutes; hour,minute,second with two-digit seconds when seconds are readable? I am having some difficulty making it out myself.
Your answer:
9,13
